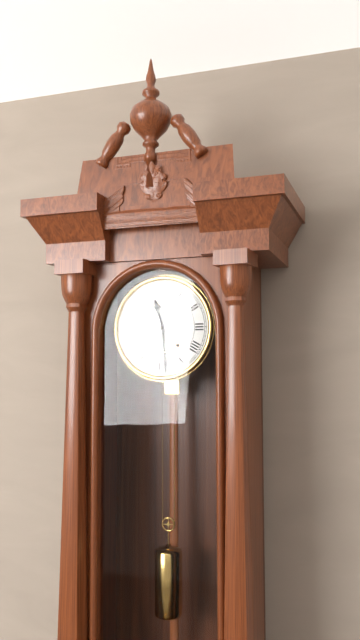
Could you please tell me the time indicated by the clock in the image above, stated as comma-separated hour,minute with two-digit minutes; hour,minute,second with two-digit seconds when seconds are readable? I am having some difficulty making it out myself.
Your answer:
11,29
